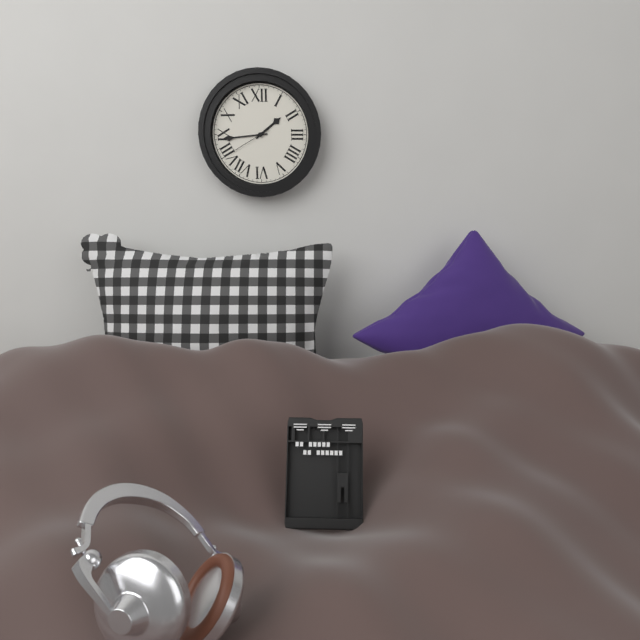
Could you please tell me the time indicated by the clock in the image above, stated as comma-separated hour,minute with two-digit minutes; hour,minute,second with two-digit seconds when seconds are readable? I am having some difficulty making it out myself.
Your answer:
1,44
